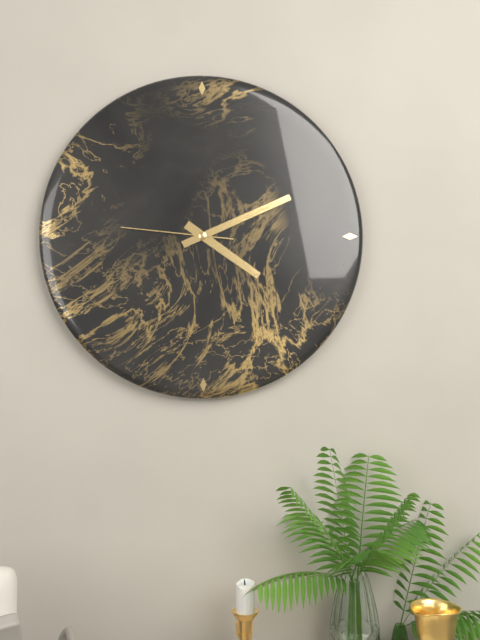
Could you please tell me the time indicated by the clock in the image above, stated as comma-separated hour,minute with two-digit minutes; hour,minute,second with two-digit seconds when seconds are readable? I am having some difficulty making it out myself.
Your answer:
4,11,46
